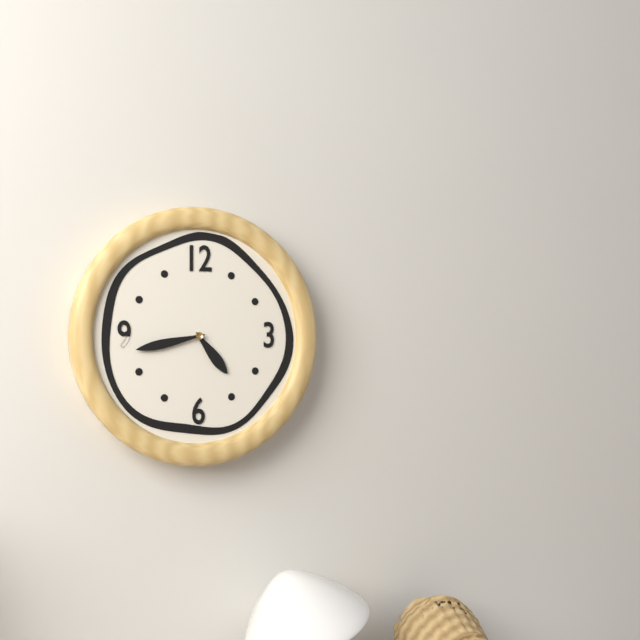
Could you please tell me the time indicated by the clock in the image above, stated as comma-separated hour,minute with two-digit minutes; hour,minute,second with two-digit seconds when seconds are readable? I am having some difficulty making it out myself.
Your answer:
4,43
